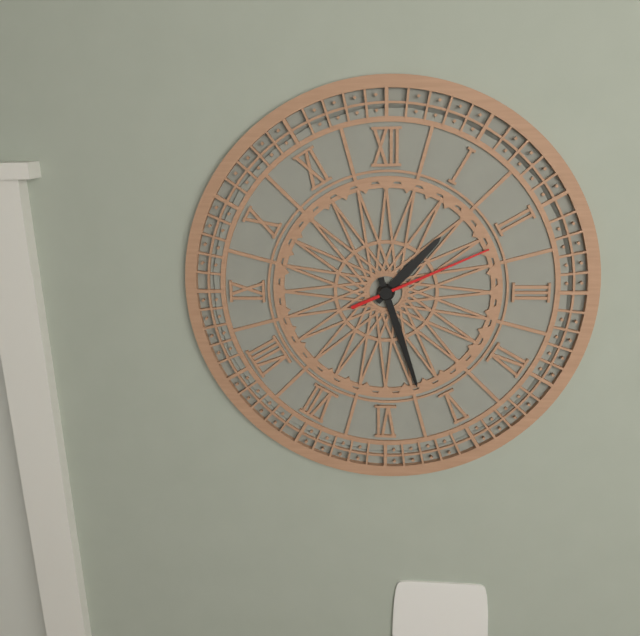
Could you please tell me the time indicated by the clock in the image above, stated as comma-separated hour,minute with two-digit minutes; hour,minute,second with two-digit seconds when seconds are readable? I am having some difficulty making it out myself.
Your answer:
1,27,11
